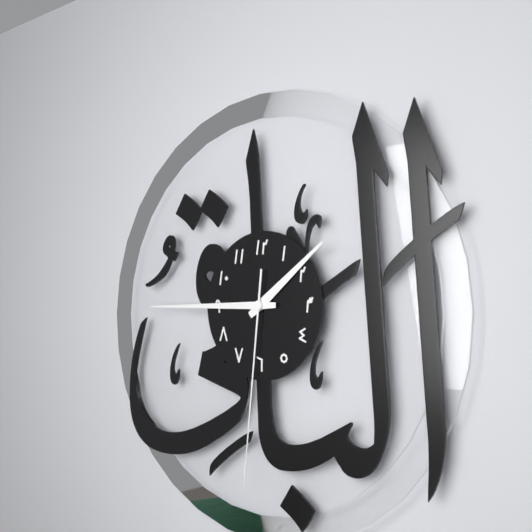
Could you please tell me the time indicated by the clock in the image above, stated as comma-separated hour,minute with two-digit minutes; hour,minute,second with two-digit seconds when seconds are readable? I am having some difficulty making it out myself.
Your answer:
1,45,31
